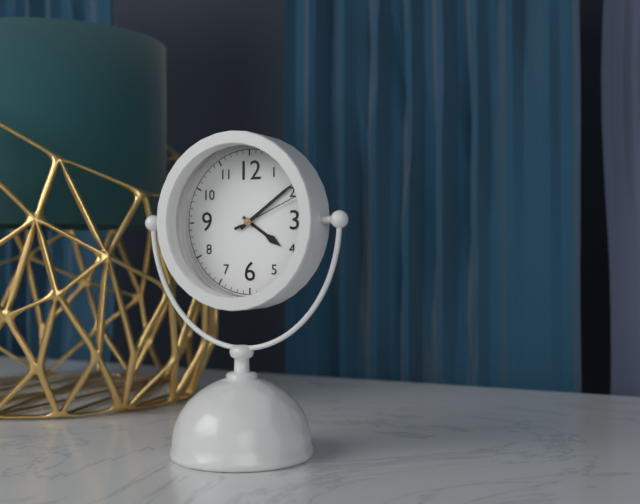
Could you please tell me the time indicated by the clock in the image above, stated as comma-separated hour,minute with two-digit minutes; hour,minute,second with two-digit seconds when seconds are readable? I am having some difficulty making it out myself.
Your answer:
4,09,11
